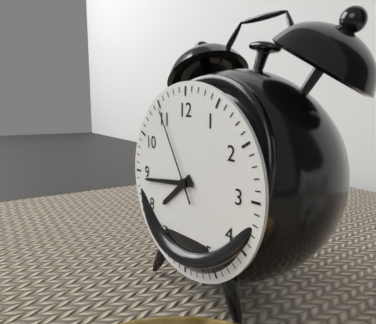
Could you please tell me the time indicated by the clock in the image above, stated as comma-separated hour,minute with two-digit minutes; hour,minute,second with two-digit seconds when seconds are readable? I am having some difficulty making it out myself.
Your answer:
7,44,55
